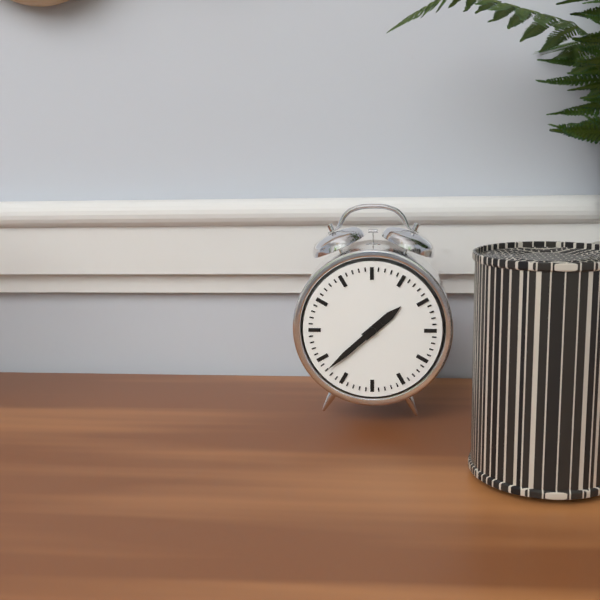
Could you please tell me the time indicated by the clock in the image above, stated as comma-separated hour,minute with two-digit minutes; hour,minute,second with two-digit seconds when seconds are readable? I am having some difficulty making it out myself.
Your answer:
1,38
